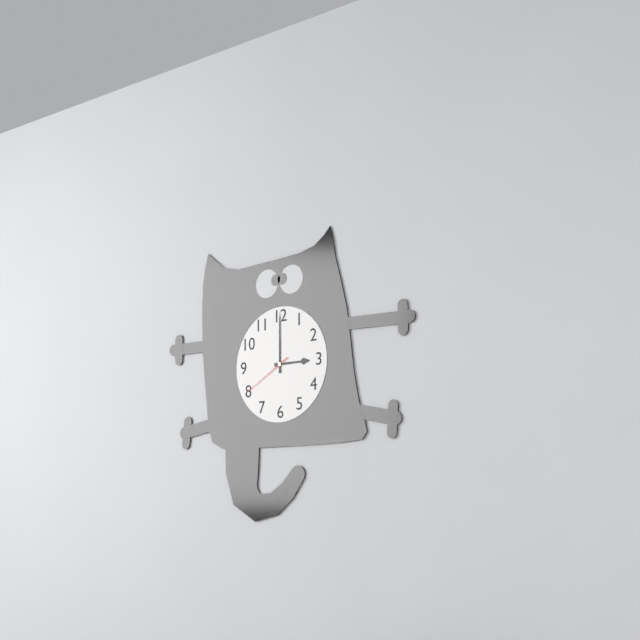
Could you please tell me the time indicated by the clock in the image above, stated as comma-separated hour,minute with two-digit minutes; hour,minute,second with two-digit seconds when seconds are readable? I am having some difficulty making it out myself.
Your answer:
3,00,40
